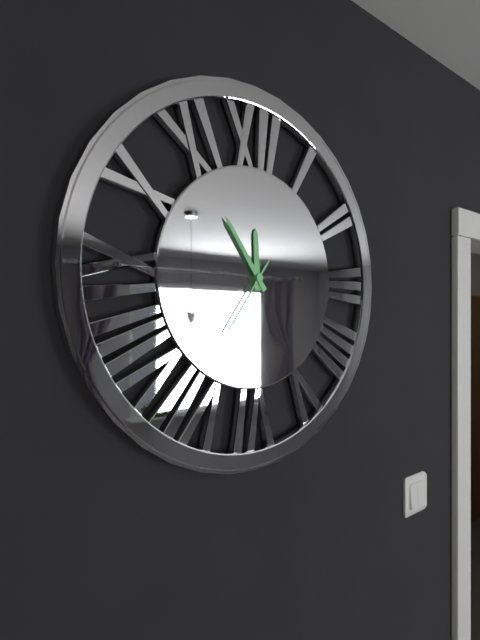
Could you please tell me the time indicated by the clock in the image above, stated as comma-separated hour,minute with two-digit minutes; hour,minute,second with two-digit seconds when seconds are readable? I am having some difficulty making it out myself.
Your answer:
11,54,36
